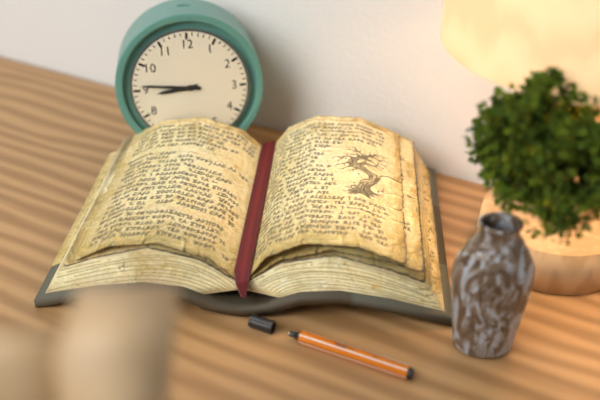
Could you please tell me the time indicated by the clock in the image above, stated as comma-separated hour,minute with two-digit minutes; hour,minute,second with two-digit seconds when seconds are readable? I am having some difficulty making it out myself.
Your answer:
8,46
